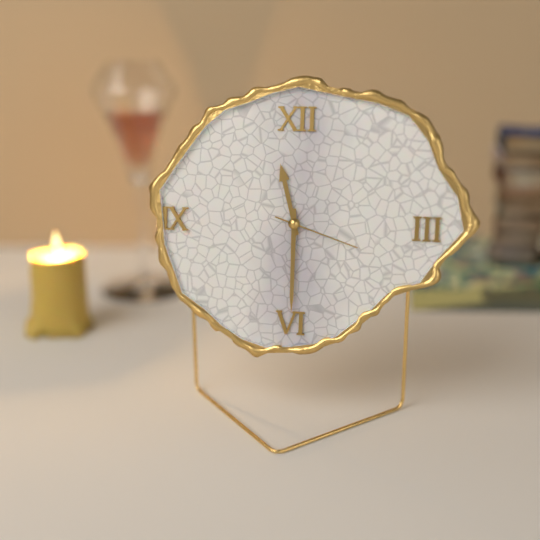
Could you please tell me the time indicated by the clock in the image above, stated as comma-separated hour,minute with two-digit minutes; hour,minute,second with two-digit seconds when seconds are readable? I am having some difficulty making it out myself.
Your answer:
11,30,18
